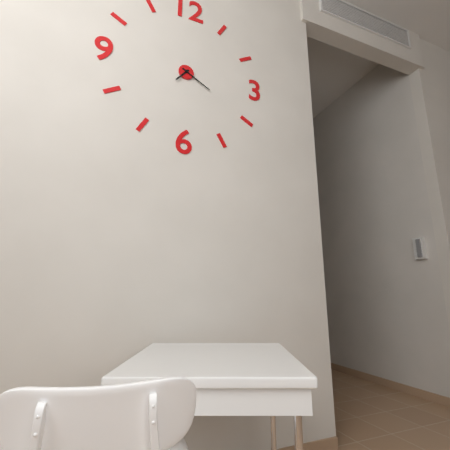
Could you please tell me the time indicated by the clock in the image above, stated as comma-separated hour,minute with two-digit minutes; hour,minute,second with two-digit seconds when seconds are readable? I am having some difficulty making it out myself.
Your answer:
7,20
